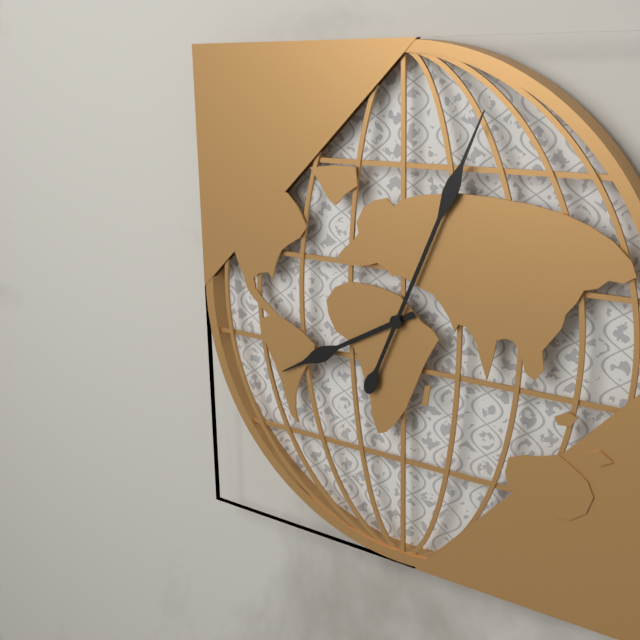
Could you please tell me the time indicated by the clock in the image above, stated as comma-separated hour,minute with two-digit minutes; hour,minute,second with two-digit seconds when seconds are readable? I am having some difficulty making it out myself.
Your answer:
8,04
